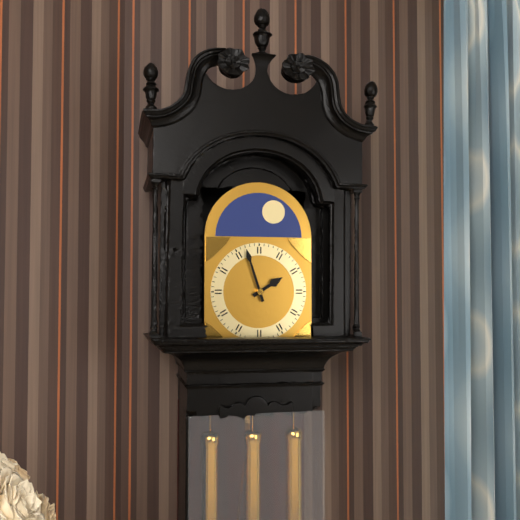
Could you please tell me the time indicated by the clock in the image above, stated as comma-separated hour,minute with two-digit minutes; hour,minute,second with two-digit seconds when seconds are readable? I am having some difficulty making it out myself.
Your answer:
1,57
